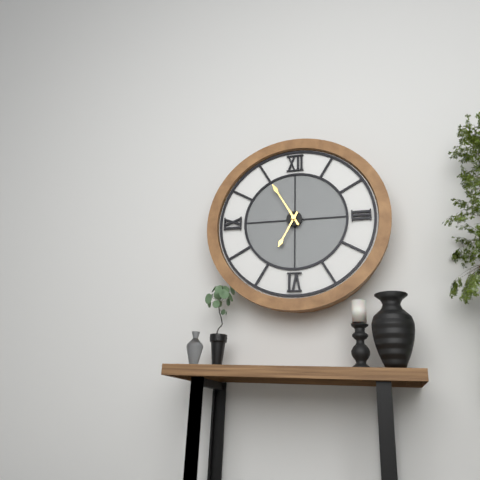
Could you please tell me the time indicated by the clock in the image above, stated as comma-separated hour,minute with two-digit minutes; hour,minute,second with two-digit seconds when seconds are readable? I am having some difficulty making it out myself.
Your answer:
6,55
